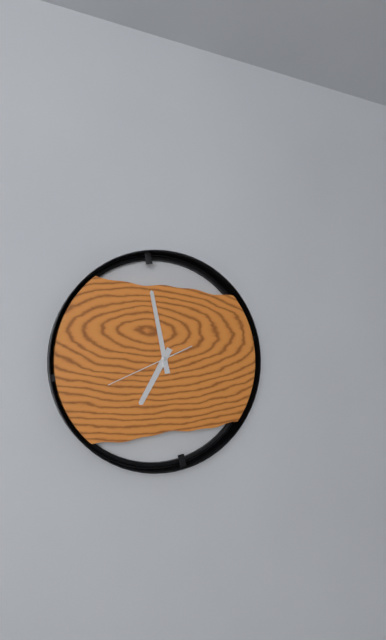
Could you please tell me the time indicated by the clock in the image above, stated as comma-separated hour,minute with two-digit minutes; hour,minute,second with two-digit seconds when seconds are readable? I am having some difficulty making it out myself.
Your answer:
6,58,41
